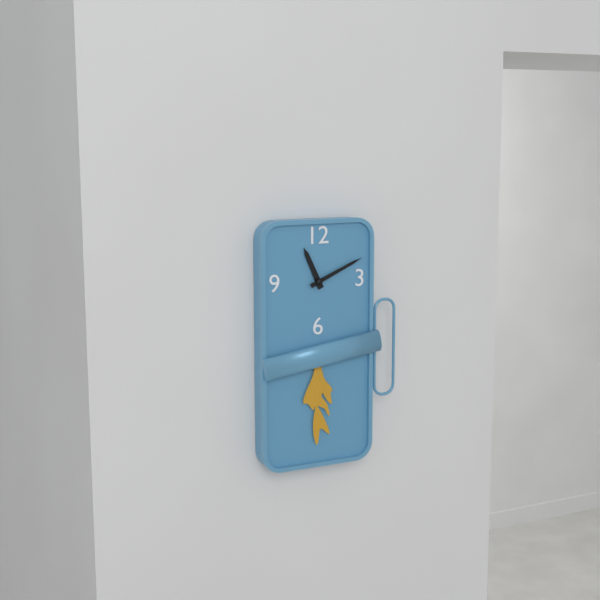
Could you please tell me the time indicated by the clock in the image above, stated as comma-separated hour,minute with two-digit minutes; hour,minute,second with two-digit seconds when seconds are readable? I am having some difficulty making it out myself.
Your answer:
11,11
